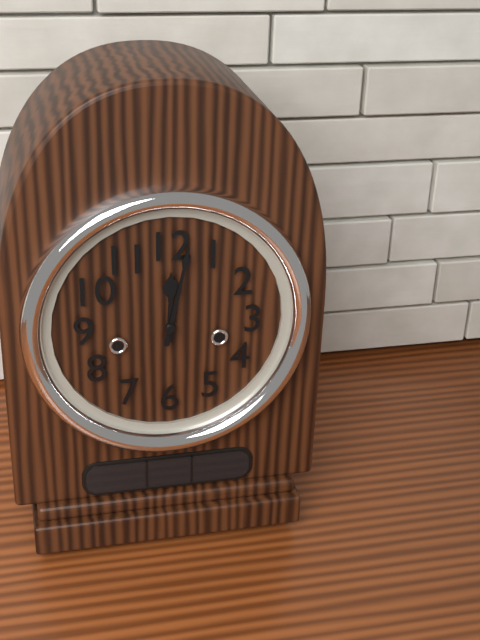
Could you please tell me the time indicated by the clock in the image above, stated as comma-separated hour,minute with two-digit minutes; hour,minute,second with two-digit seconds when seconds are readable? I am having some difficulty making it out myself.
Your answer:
12,02
